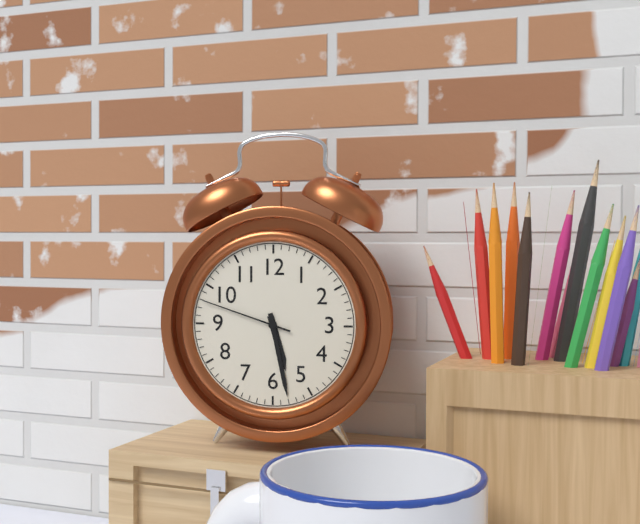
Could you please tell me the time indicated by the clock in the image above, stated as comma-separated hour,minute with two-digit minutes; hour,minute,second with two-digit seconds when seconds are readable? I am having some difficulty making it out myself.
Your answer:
5,28,48
